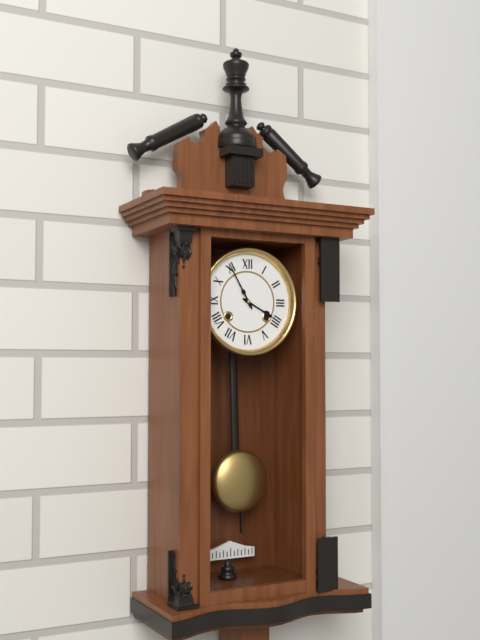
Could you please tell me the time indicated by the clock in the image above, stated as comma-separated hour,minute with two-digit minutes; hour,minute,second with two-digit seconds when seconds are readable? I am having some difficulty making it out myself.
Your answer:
3,55
